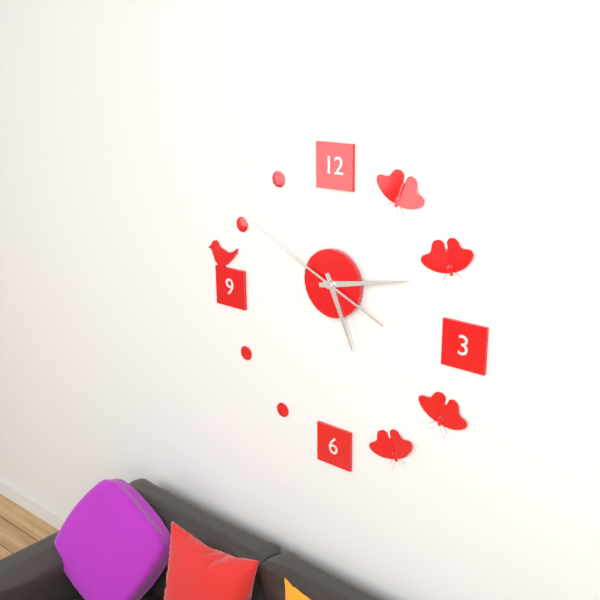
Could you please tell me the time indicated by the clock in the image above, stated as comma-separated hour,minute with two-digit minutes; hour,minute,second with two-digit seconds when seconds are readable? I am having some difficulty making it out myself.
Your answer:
5,13,49
